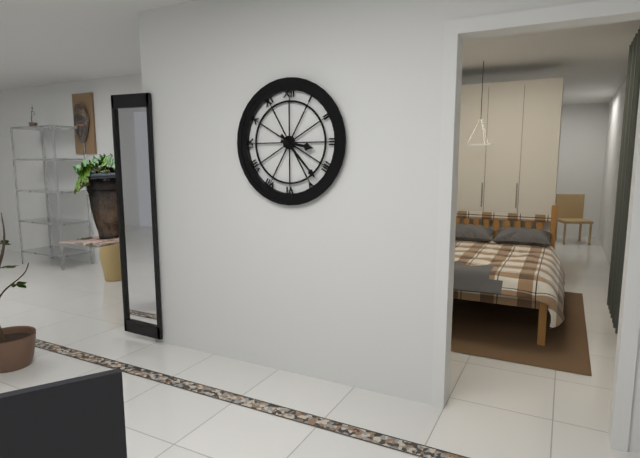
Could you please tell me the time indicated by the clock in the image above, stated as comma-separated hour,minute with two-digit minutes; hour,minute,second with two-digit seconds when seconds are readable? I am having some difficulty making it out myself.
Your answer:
3,23
